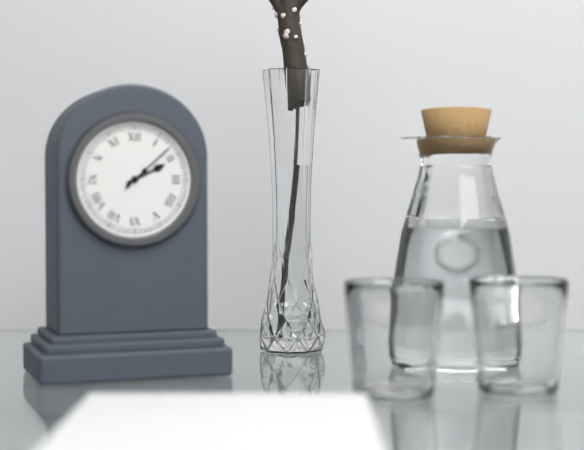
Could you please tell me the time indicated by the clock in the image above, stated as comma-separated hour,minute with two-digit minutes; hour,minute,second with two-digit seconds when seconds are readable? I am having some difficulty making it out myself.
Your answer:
2,08
